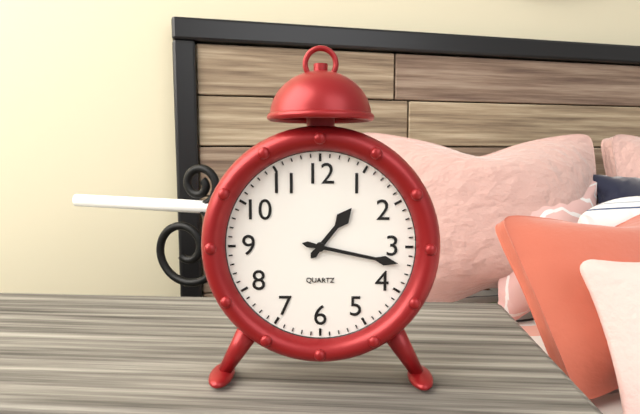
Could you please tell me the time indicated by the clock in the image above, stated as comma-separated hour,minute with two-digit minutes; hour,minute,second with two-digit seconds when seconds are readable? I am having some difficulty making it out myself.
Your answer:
1,17
